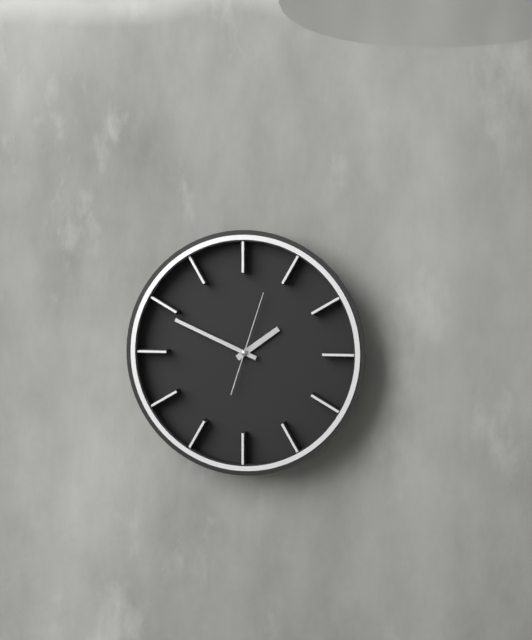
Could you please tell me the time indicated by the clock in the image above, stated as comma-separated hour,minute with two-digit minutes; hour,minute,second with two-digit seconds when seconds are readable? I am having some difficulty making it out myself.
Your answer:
1,49,03
